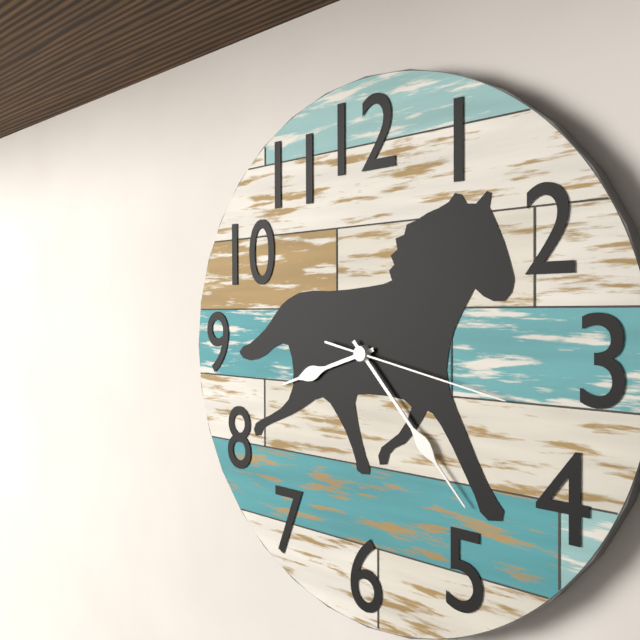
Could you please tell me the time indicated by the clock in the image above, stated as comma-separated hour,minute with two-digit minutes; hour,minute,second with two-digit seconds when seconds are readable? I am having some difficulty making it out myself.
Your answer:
8,23,17
